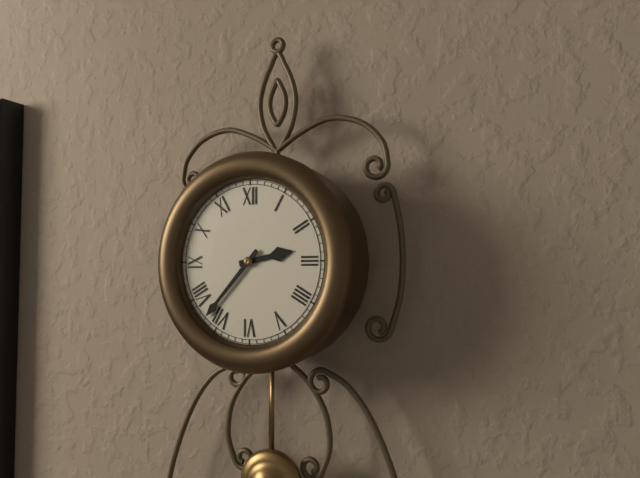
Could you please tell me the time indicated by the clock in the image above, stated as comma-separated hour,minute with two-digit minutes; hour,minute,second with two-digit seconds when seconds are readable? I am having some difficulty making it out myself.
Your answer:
2,37
